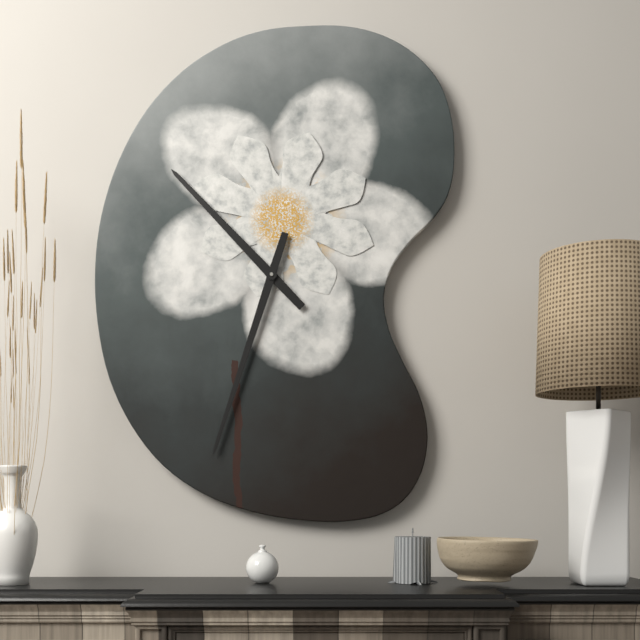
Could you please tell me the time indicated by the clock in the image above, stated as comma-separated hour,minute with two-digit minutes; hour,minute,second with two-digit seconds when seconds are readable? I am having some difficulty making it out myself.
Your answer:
10,33
